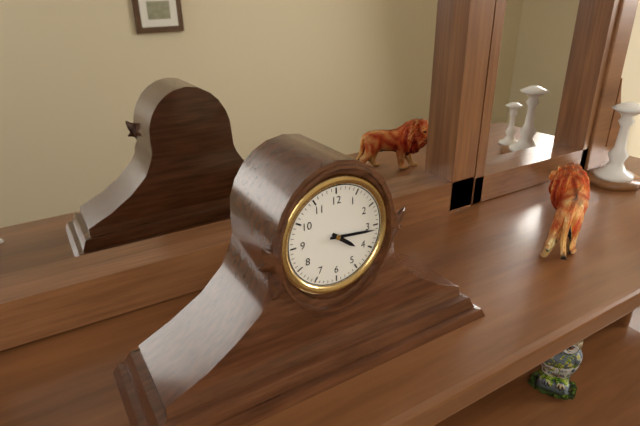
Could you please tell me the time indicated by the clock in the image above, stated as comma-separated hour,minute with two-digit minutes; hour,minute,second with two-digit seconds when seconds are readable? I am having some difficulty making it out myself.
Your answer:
4,16
